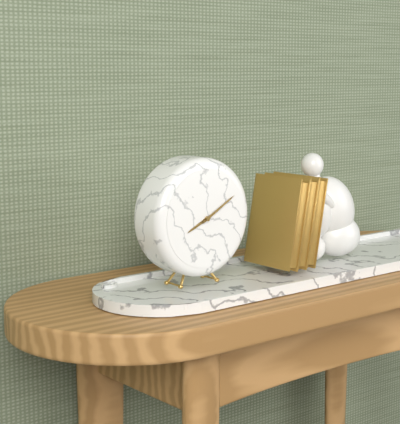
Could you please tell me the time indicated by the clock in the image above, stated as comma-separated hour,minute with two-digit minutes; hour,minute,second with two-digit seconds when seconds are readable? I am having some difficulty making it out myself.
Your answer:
8,10
